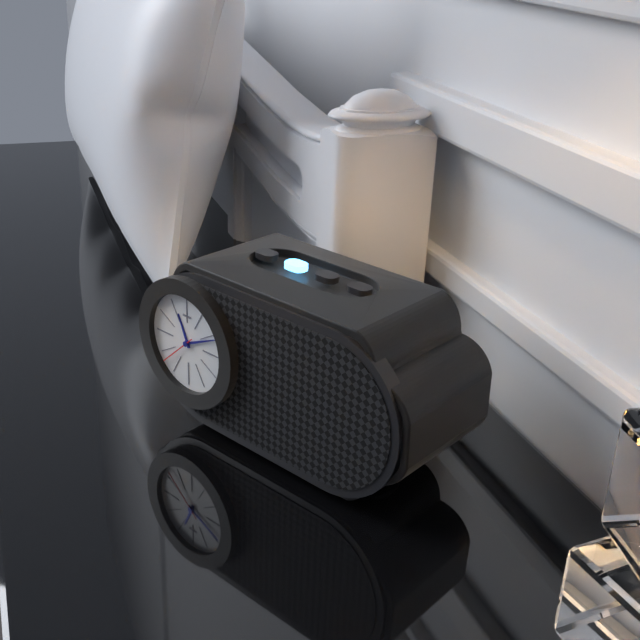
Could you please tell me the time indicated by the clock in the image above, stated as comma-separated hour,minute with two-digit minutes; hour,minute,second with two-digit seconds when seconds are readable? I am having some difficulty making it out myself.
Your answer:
11,11,38
